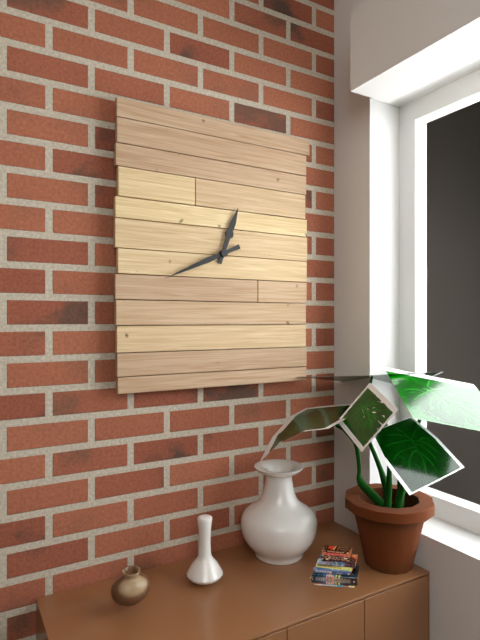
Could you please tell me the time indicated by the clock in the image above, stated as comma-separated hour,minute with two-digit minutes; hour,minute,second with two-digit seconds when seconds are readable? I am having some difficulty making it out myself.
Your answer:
12,41
